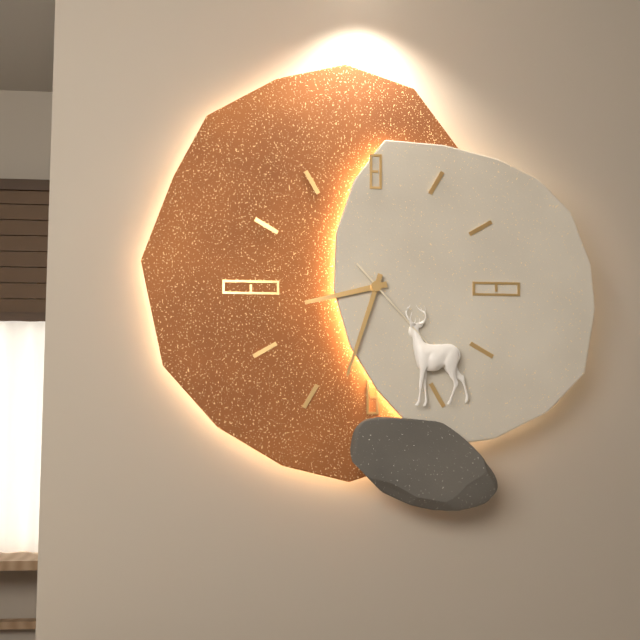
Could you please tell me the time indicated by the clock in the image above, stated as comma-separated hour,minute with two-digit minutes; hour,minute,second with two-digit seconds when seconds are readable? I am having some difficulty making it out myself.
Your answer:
8,33
